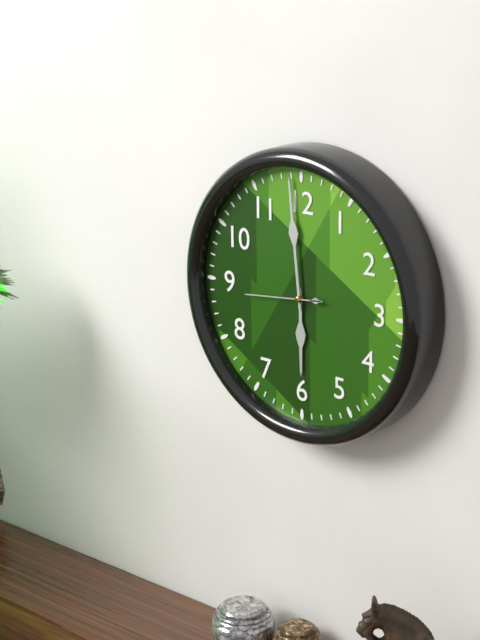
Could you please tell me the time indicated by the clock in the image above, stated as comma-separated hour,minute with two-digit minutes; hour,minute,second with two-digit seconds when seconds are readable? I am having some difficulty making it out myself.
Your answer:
5,59,44
